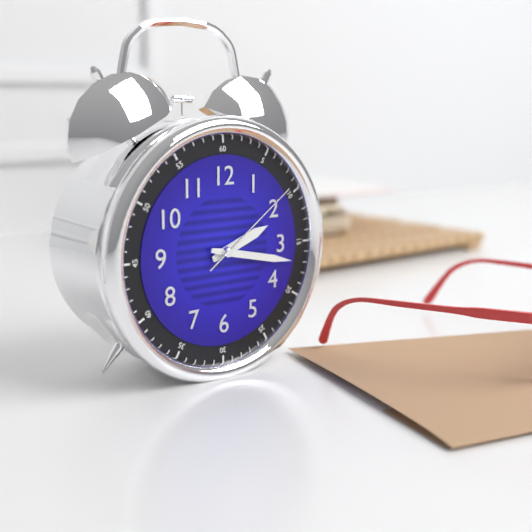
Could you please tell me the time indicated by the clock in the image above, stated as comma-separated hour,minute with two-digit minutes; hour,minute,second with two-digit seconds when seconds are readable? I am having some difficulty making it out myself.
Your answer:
2,17,09
